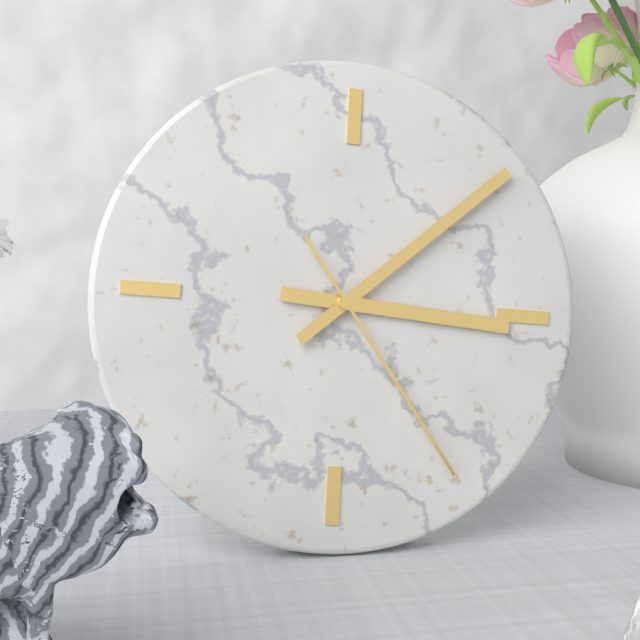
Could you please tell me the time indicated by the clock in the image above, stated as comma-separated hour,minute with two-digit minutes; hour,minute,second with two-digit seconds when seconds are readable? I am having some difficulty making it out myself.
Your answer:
3,08,24
